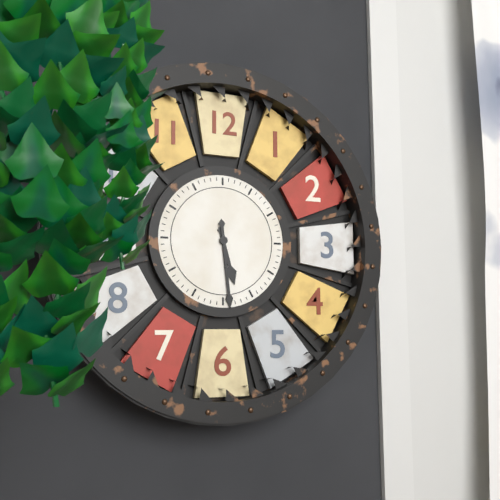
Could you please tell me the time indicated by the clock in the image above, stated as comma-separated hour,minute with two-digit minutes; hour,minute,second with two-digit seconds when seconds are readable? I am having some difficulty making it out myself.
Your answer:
5,29
